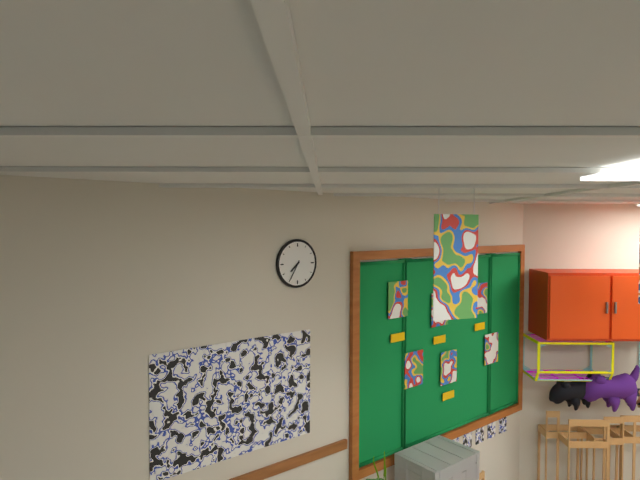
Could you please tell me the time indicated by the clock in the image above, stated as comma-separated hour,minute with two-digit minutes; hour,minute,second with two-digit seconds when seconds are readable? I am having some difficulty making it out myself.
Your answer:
7,35
